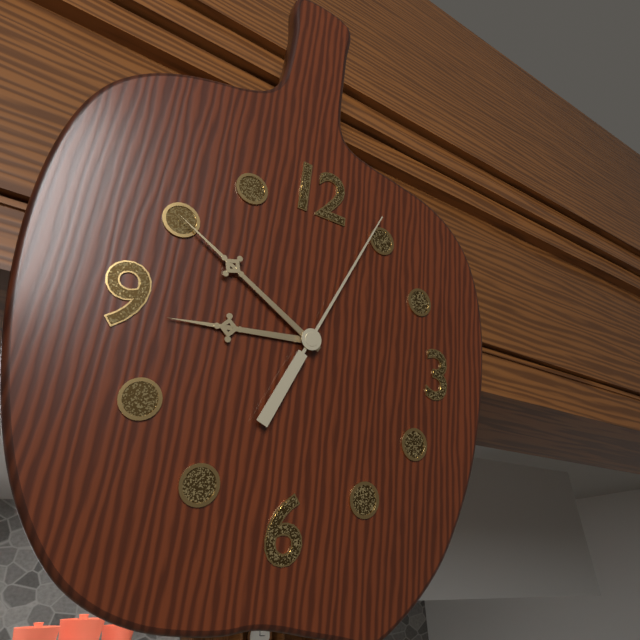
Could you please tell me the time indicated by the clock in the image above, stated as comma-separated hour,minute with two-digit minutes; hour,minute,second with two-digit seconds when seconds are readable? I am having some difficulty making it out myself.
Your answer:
8,50,04
